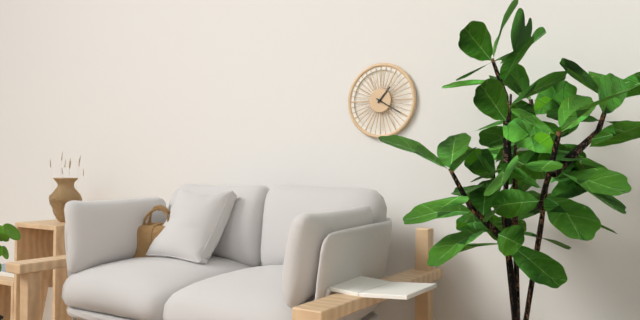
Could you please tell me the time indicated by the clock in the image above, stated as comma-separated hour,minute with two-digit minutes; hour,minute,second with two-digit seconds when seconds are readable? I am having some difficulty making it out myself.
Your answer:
1,20
